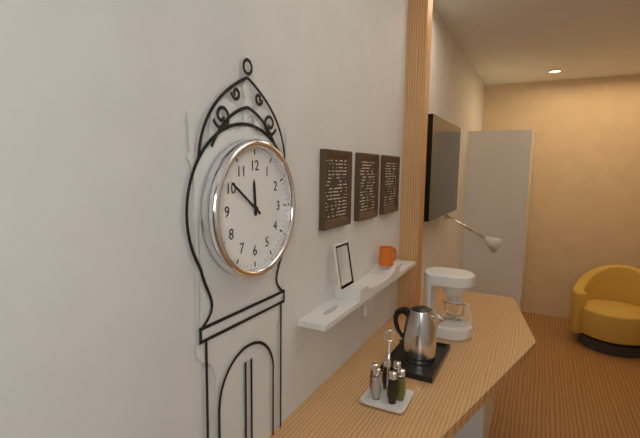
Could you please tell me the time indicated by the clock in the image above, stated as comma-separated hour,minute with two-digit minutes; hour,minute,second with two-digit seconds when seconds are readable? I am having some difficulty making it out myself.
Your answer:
11,51
